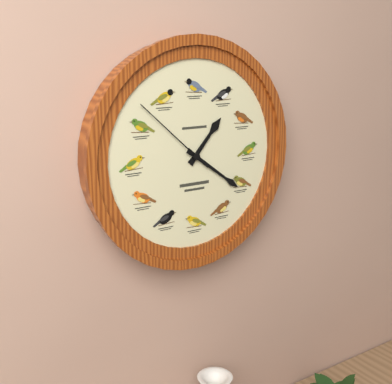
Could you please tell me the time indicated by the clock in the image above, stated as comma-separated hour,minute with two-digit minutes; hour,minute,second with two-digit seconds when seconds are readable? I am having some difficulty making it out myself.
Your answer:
1,21,52
